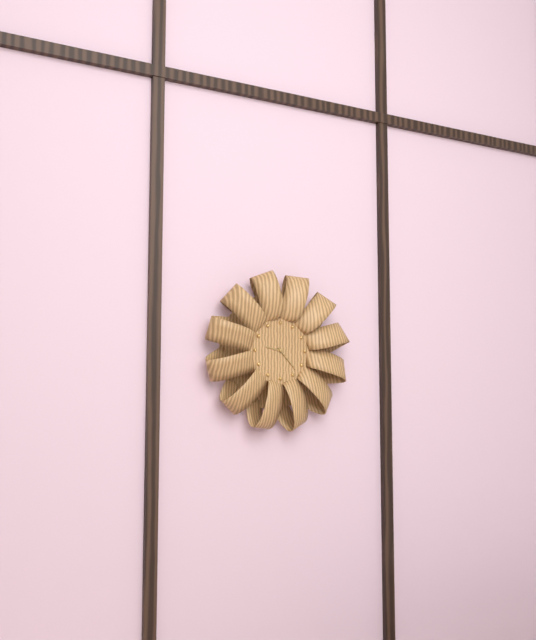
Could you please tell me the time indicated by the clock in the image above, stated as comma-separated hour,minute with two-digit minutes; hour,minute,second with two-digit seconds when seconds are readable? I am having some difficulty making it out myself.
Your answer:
9,23
